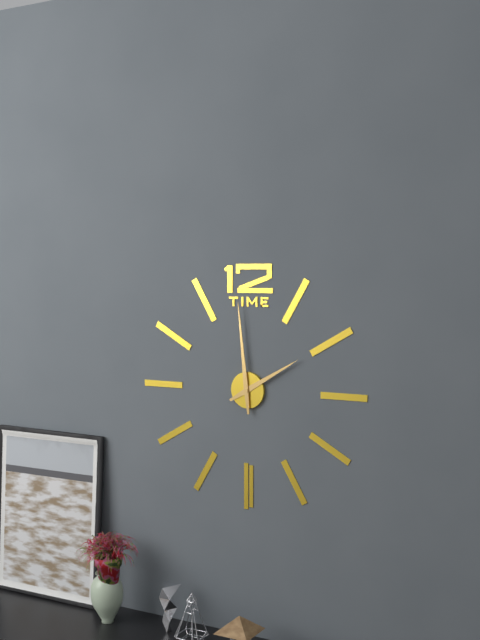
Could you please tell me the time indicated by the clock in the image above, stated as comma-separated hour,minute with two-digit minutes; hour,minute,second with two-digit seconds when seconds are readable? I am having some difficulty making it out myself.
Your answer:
1,59
